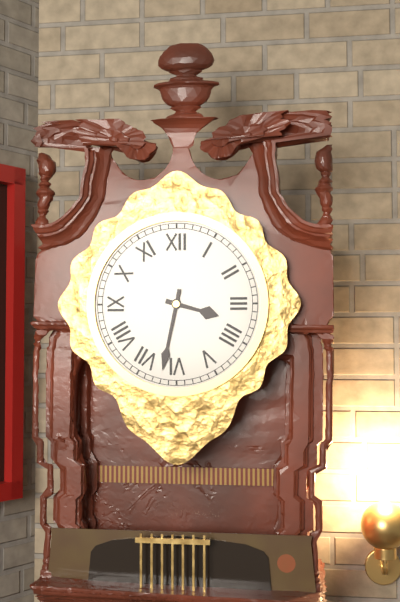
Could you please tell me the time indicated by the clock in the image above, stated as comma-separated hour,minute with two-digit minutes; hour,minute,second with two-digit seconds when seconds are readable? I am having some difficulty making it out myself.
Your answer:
3,32
